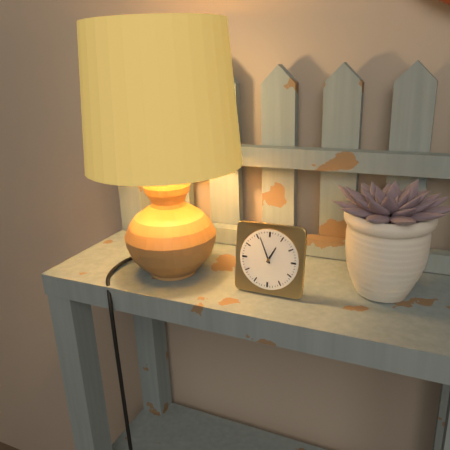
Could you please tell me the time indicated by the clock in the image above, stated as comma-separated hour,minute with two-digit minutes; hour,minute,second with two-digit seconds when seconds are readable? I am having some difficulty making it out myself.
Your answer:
12,56
